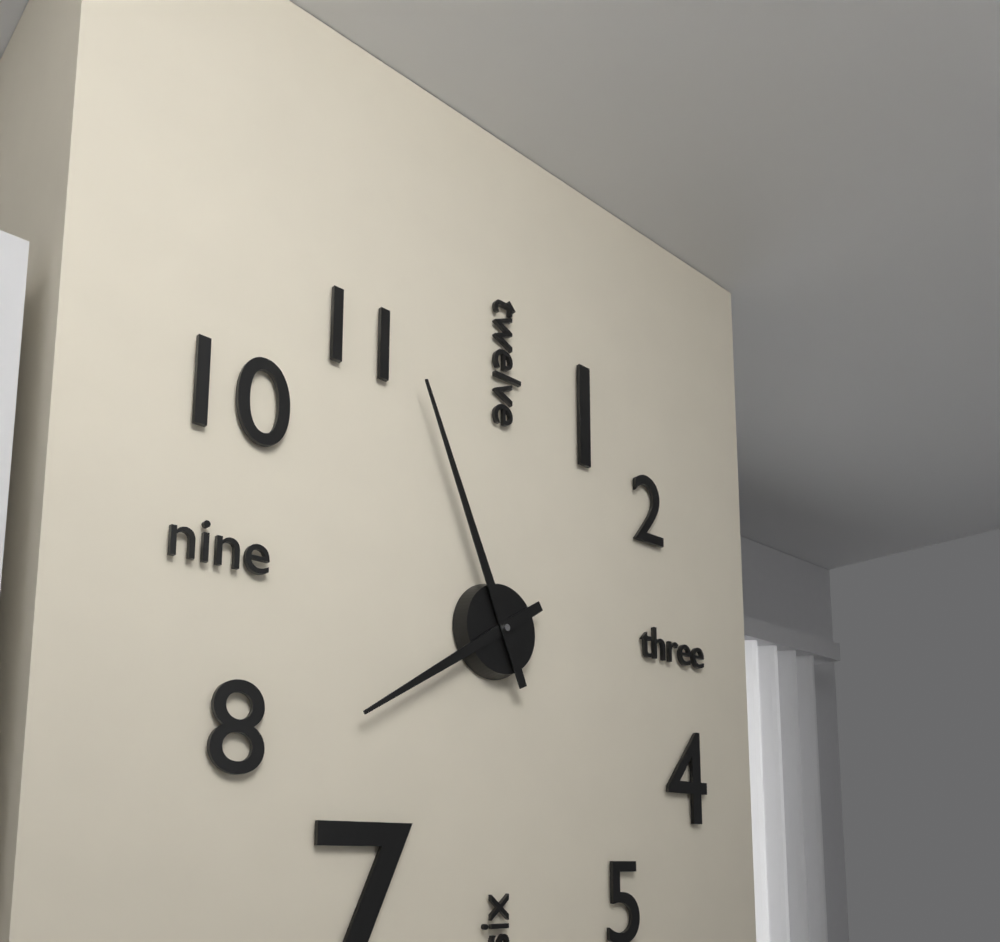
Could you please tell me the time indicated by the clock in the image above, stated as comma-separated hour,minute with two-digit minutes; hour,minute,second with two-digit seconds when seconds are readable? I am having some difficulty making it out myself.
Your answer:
7,56
